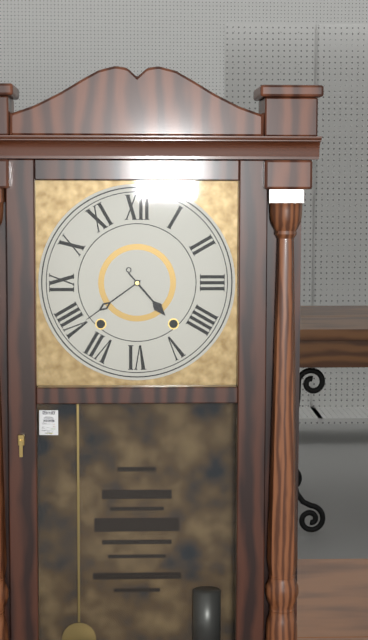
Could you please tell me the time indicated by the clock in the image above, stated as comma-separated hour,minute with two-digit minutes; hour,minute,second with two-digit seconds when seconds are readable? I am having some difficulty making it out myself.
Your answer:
4,39
